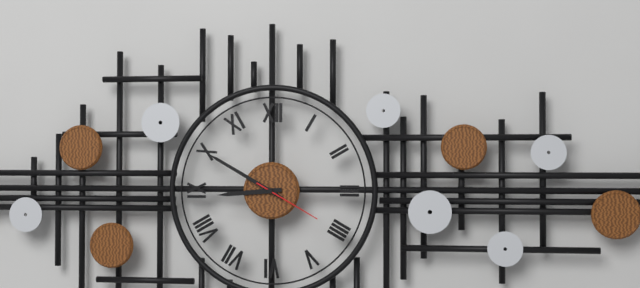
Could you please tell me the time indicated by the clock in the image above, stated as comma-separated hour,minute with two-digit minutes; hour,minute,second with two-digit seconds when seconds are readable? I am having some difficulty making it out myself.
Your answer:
8,50,20
